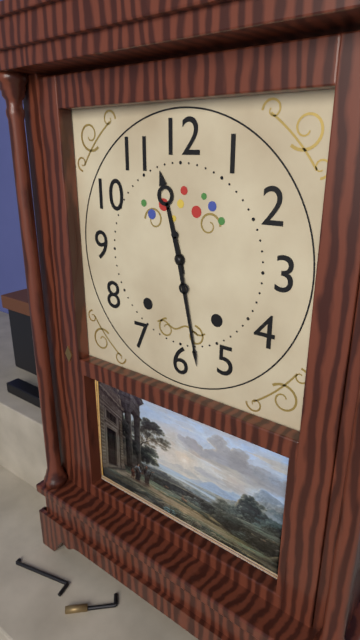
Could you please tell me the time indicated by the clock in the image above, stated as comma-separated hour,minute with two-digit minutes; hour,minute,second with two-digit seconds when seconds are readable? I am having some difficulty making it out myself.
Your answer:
11,28
